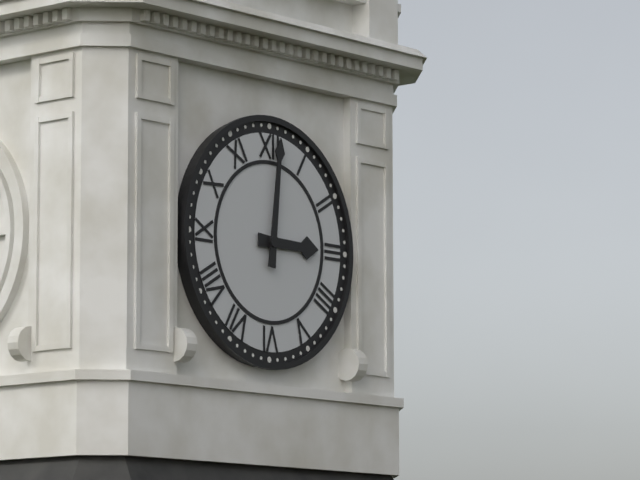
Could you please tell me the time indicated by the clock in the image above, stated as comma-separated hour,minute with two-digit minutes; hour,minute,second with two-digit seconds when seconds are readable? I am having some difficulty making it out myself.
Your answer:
3,01
